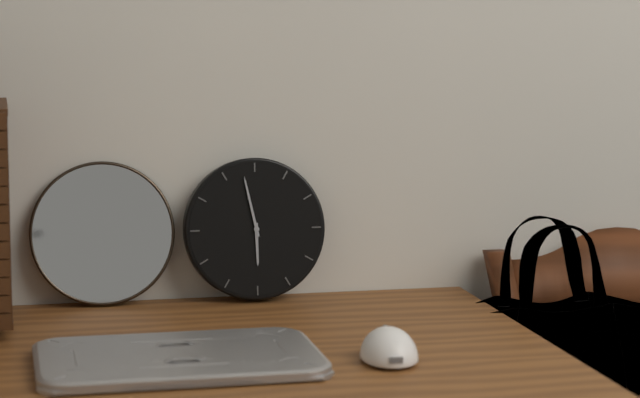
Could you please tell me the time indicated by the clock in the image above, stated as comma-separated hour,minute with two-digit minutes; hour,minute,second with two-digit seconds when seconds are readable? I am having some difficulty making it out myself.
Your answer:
5,58
